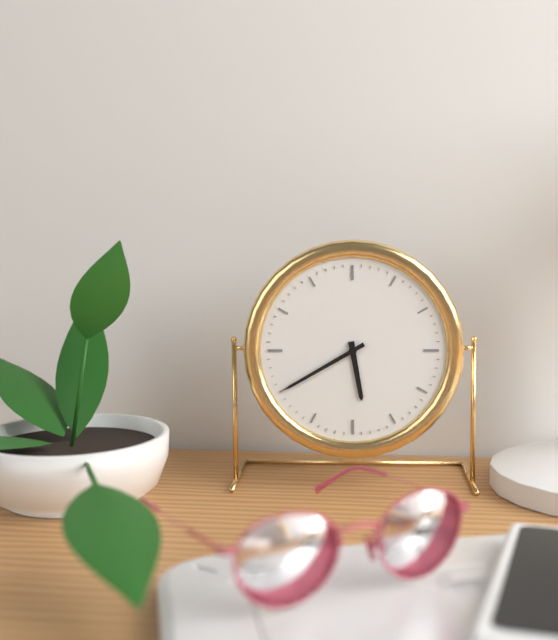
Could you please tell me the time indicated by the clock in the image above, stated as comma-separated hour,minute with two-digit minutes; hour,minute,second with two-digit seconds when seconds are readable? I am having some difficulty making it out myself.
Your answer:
5,40
